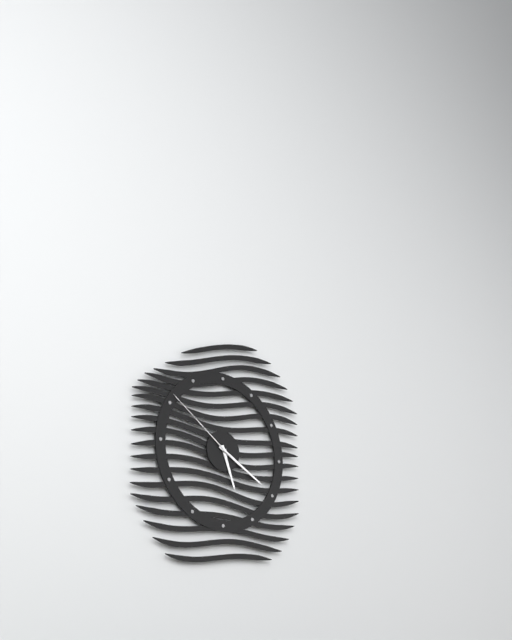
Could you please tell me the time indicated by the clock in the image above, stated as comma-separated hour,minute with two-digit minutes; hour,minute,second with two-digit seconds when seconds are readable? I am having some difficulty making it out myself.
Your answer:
5,20,51
